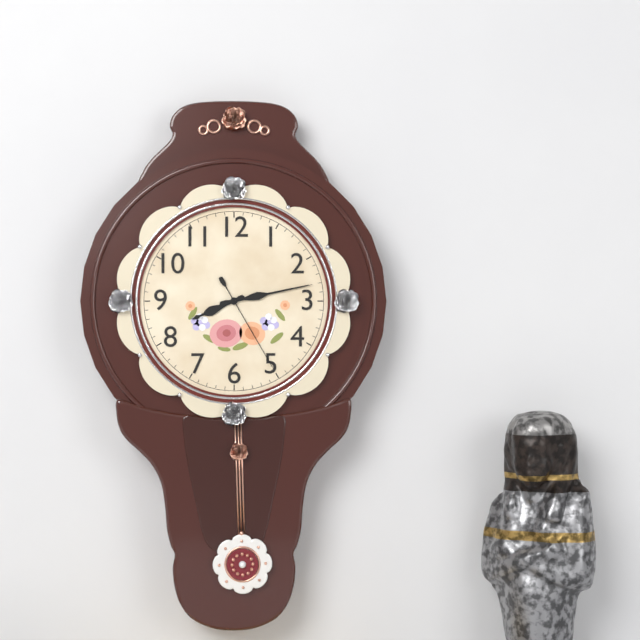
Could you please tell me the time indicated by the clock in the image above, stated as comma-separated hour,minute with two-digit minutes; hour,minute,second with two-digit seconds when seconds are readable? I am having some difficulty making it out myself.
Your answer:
8,13,25
